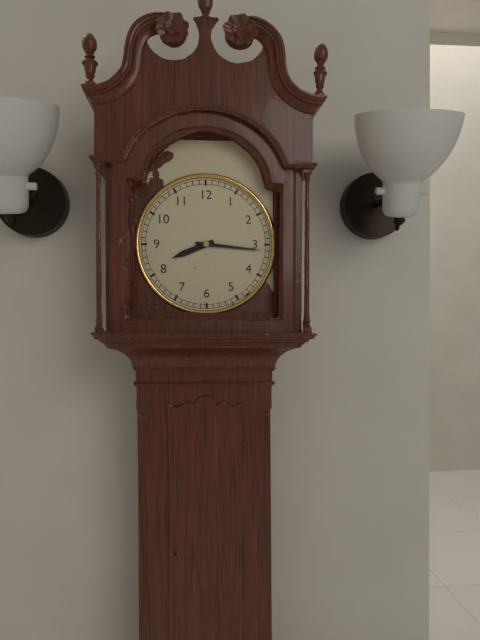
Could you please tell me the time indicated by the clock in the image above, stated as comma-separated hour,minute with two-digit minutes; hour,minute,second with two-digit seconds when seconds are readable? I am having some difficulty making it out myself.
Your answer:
8,16
